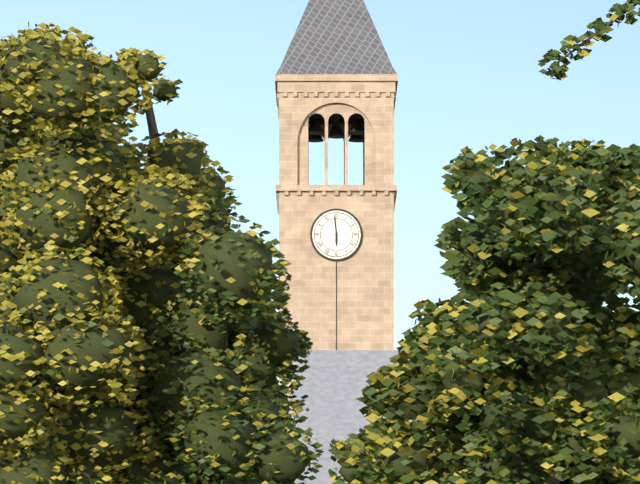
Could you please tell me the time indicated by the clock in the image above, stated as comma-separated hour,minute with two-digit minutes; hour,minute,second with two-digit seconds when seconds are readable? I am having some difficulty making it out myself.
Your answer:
5,59
